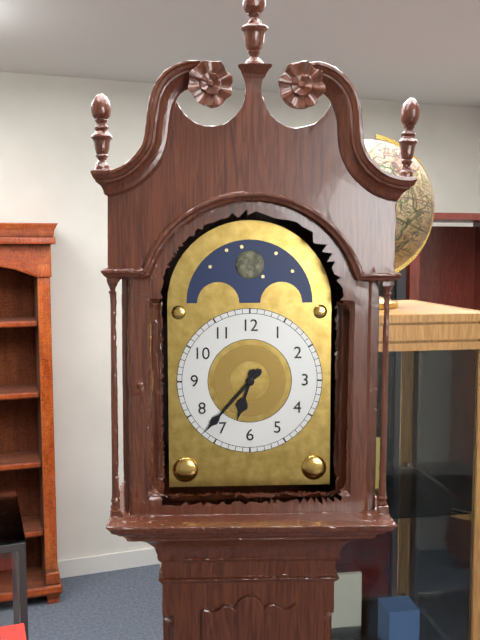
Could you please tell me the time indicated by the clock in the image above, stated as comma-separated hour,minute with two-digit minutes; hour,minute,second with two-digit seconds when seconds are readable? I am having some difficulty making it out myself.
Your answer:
6,37
